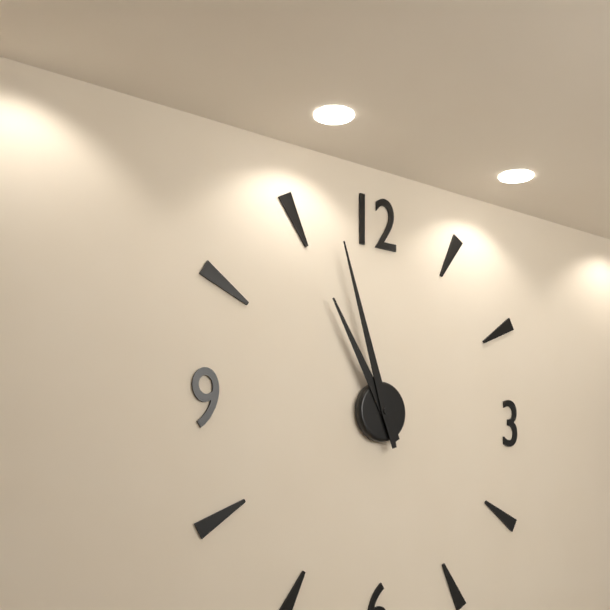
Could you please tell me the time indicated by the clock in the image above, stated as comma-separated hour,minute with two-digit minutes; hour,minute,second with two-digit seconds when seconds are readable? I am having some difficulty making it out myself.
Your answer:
10,57
